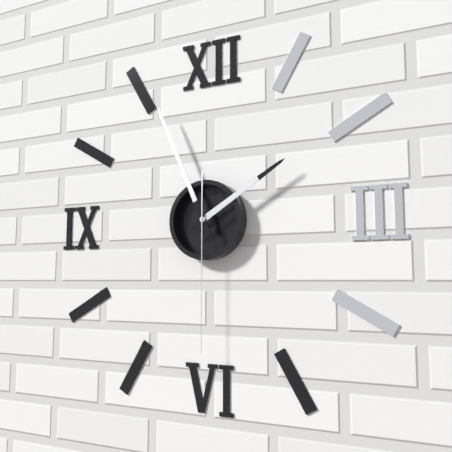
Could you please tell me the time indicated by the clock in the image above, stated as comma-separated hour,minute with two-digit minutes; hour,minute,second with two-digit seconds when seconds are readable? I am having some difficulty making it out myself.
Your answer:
1,56,30
